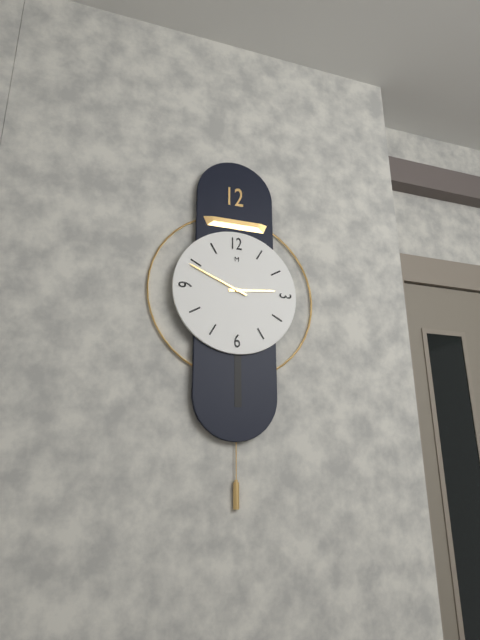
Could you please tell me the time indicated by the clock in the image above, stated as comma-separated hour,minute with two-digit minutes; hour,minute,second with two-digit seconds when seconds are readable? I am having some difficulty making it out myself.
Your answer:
2,49
